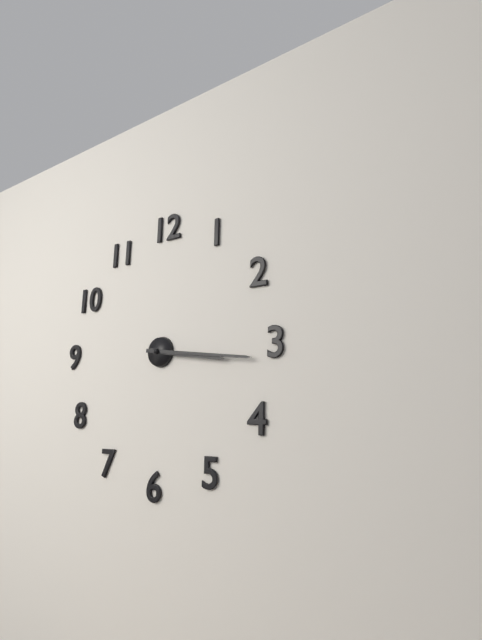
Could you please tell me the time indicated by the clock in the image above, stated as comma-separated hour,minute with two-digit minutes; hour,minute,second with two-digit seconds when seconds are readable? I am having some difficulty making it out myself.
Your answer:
3,16
